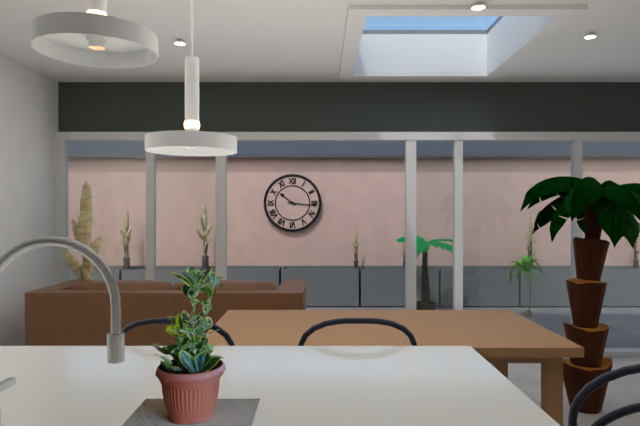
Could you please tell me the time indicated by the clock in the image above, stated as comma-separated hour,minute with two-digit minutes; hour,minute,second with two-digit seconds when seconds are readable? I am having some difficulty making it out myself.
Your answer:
10,16
